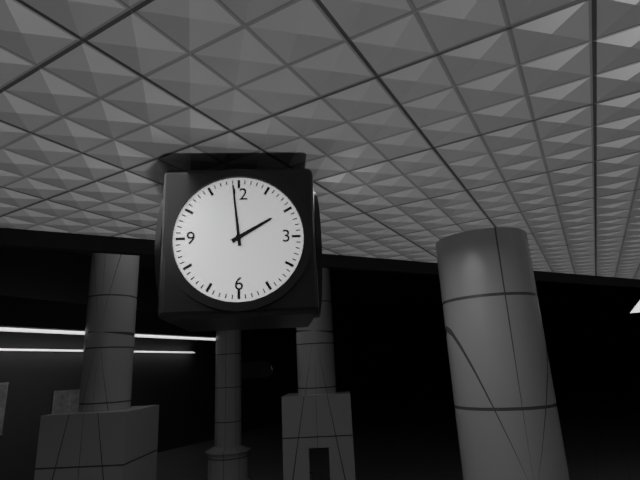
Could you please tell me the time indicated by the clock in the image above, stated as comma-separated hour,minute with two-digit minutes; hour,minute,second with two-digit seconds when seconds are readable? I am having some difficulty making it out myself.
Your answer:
1,59
